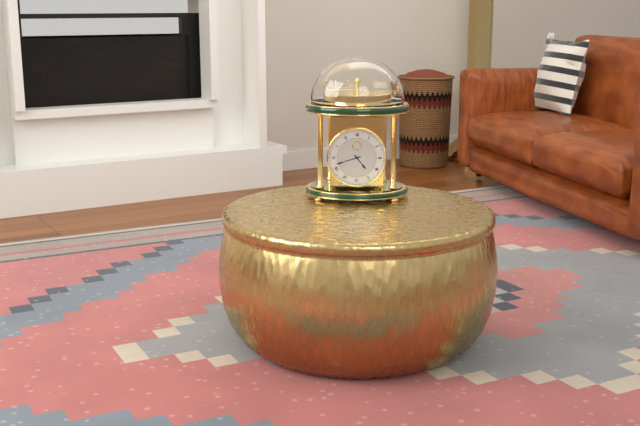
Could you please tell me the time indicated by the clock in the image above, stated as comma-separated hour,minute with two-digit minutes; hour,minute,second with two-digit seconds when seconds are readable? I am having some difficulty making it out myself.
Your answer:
4,42
